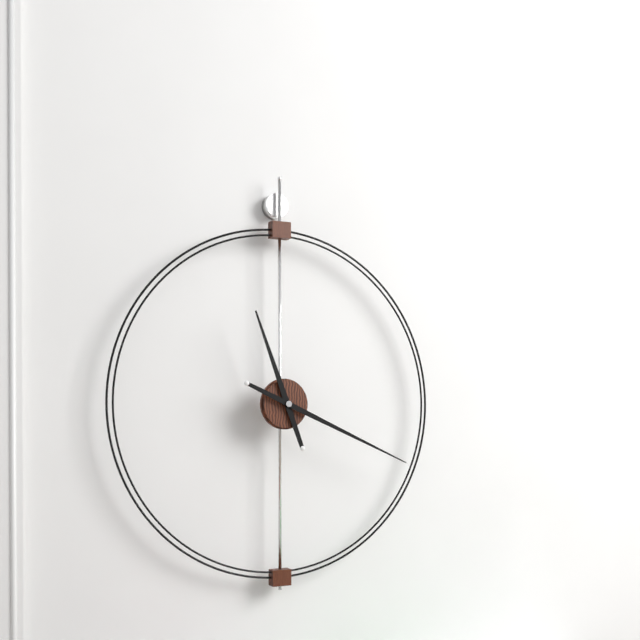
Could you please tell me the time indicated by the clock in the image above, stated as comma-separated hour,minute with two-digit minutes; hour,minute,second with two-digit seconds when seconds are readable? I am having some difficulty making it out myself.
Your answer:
11,19
